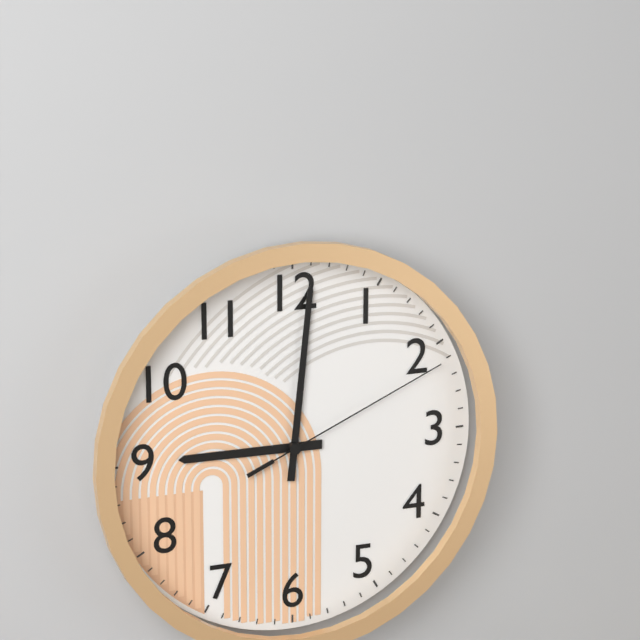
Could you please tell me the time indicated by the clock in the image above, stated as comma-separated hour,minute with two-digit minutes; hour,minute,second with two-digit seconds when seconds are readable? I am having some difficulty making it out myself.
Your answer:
9,01,11
